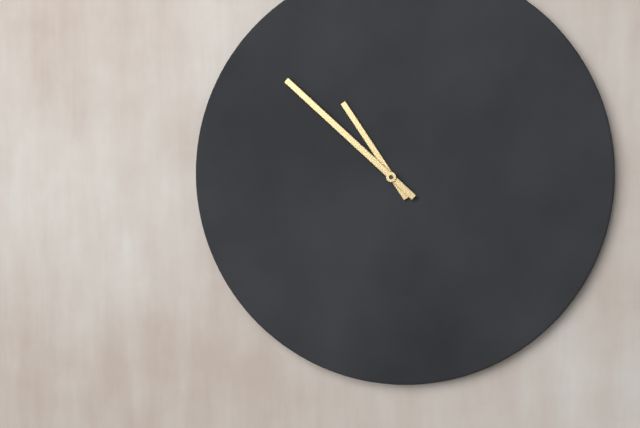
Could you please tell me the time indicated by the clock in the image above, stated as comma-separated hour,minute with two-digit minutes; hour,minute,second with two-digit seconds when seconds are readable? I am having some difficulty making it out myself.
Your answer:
10,52
